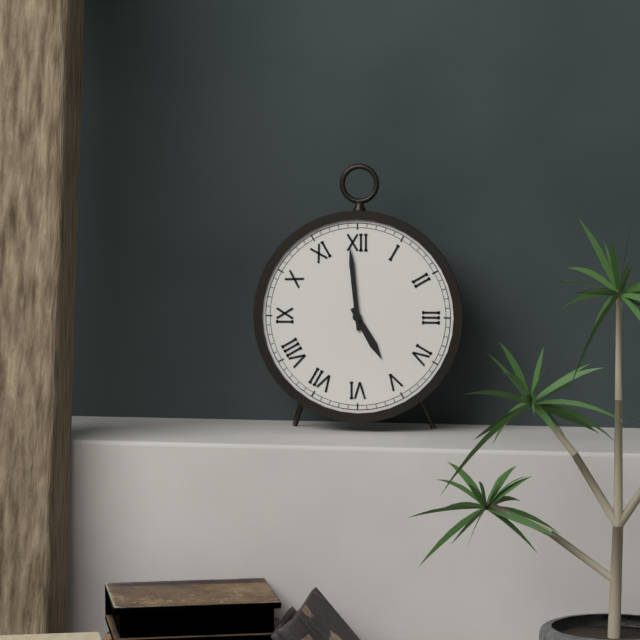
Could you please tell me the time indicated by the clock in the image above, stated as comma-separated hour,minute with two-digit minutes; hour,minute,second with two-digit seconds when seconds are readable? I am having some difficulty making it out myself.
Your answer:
4,59
